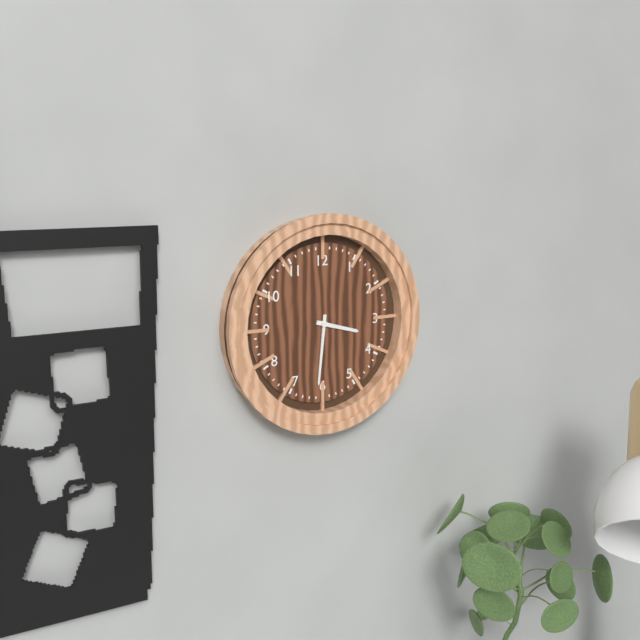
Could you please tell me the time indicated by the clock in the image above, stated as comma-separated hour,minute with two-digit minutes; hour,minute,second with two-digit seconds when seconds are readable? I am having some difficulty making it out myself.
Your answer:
3,31
